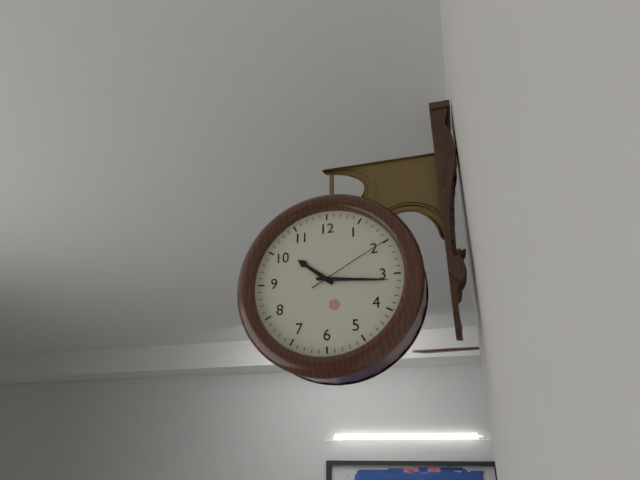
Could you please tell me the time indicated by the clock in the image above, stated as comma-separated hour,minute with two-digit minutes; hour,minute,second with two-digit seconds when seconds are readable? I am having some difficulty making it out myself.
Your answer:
10,16,10
